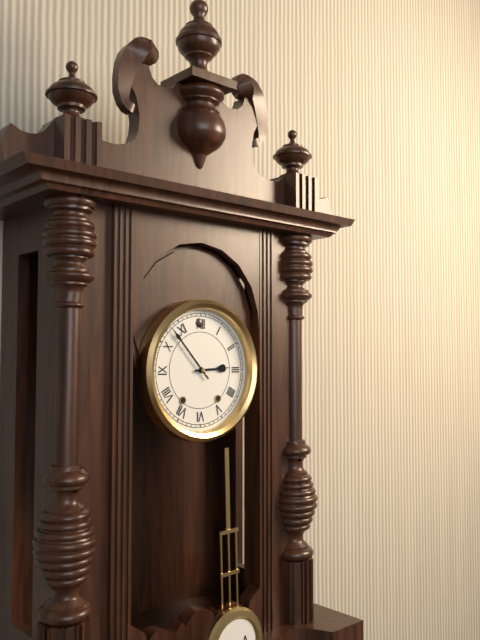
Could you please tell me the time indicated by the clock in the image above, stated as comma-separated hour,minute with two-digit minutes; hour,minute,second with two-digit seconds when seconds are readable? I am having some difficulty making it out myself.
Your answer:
2,53
